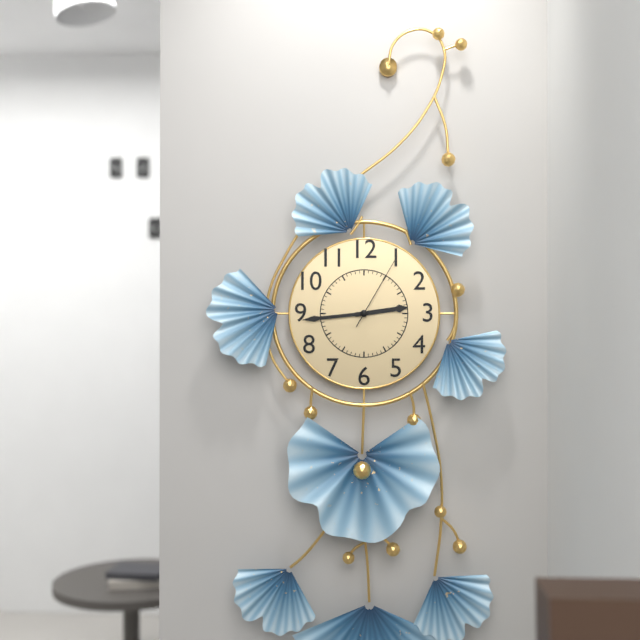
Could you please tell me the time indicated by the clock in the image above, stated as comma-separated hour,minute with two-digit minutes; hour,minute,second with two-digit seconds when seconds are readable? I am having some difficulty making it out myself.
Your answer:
2,44,05
